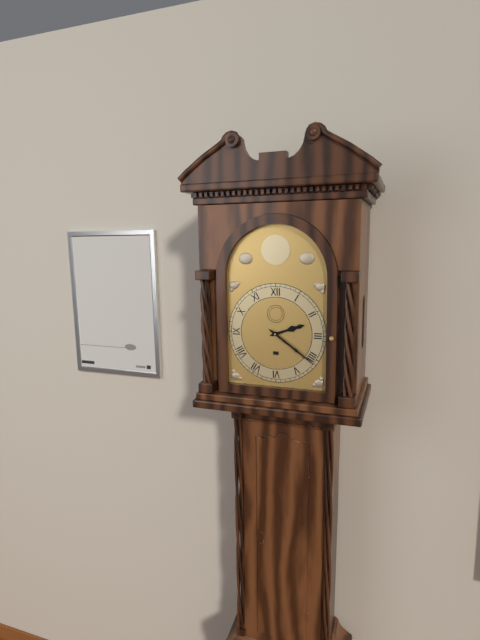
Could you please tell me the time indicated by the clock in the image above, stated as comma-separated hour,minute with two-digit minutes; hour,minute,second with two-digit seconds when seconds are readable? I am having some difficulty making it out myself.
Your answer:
2,21
